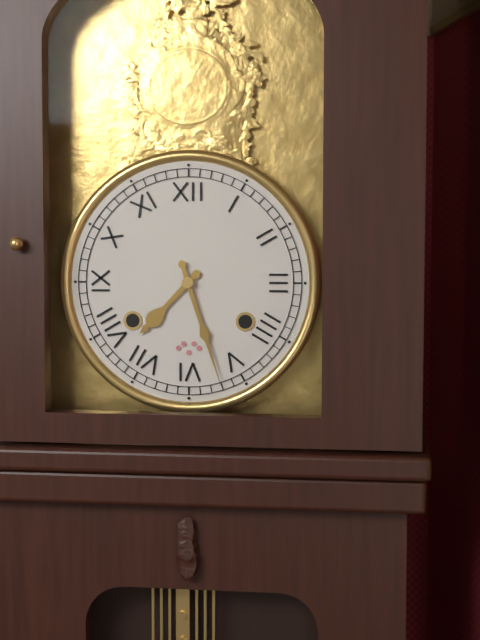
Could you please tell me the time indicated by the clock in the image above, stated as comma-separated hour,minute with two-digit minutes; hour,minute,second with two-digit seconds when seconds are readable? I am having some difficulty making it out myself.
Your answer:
7,27
